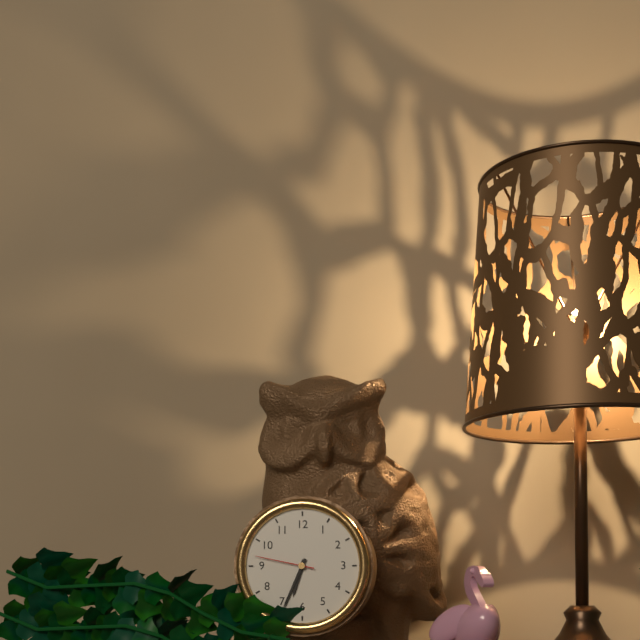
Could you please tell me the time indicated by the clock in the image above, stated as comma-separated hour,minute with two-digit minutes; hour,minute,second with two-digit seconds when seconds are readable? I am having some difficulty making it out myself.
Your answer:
6,34,47
